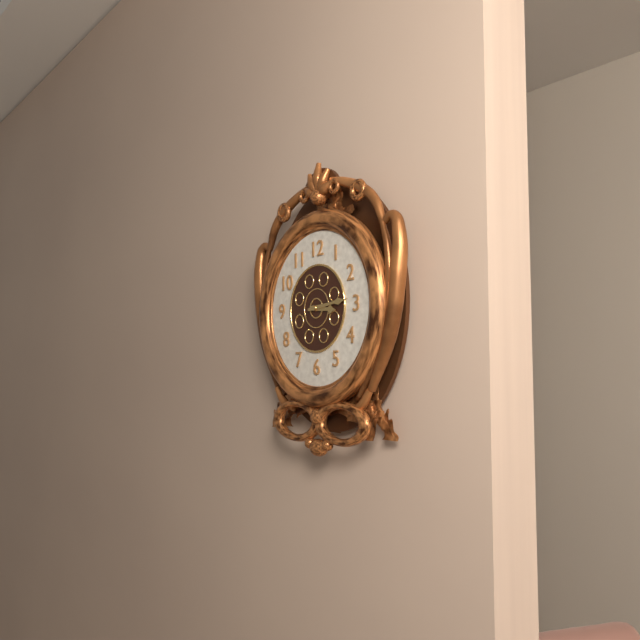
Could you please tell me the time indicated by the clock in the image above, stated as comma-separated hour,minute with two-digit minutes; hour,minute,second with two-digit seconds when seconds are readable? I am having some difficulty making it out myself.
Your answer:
3,14
